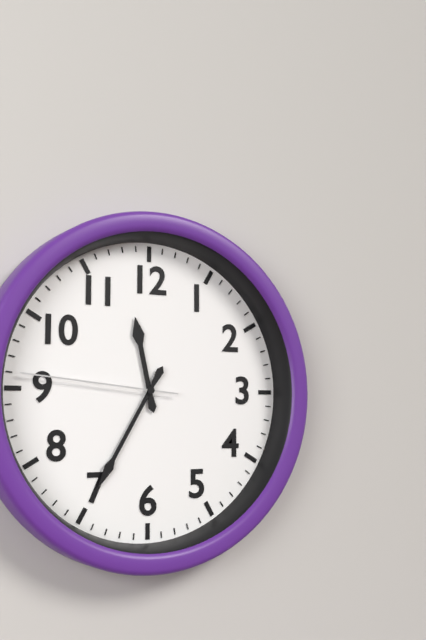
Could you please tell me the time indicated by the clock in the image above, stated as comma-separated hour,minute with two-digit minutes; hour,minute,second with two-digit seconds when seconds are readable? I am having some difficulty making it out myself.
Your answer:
11,35,46
